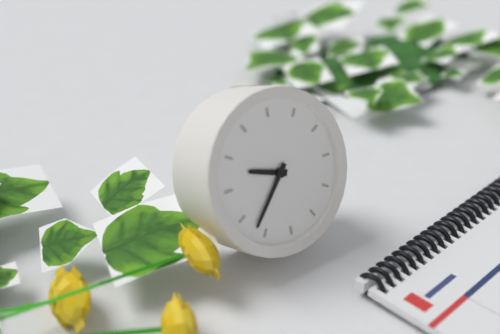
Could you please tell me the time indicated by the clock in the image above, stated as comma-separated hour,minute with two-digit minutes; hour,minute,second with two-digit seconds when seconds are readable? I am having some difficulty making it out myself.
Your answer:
9,37
